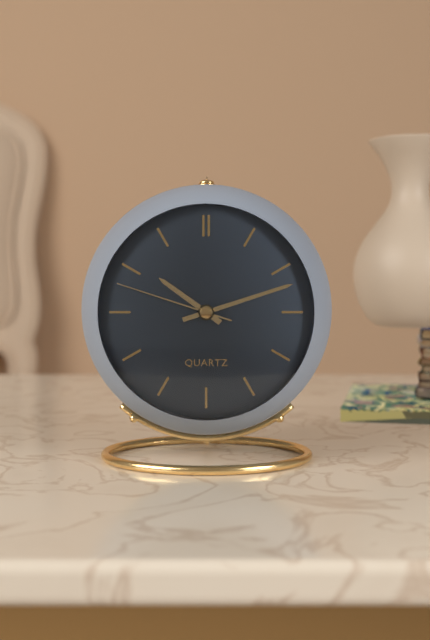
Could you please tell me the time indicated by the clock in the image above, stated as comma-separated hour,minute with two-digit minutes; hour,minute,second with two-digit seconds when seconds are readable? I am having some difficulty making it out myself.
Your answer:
10,12,48
